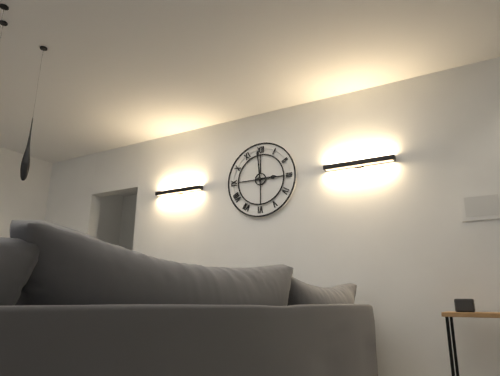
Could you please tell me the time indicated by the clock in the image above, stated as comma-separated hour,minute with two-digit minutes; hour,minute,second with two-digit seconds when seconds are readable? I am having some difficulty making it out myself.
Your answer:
2,59
